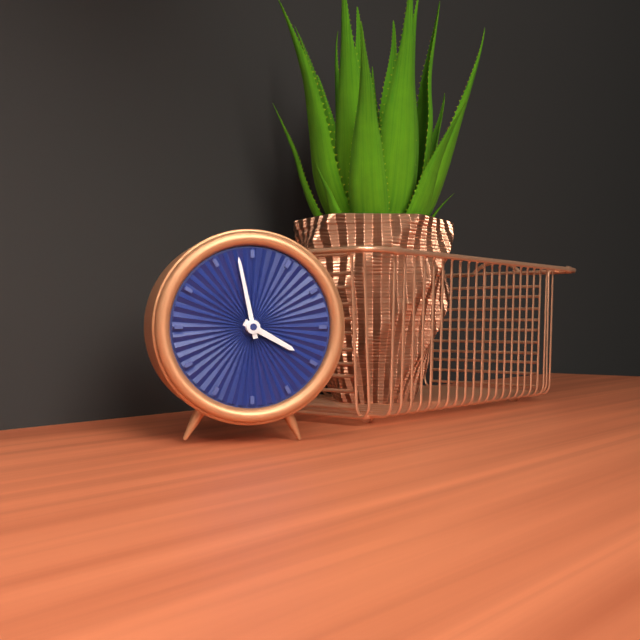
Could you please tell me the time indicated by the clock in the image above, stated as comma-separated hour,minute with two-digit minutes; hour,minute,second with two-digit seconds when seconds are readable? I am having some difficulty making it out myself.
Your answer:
3,58
